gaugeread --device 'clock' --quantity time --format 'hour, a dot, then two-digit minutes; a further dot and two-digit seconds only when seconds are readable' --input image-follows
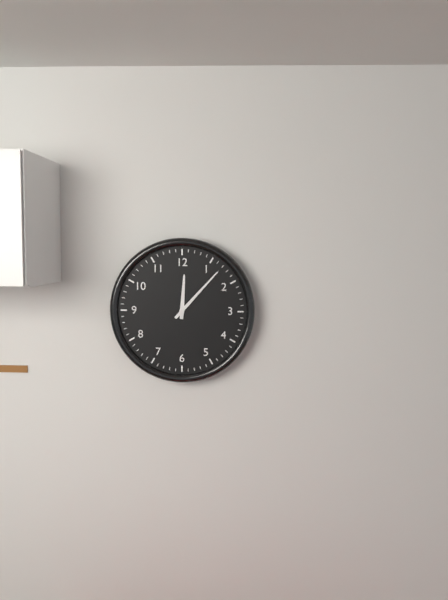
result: 12.07
